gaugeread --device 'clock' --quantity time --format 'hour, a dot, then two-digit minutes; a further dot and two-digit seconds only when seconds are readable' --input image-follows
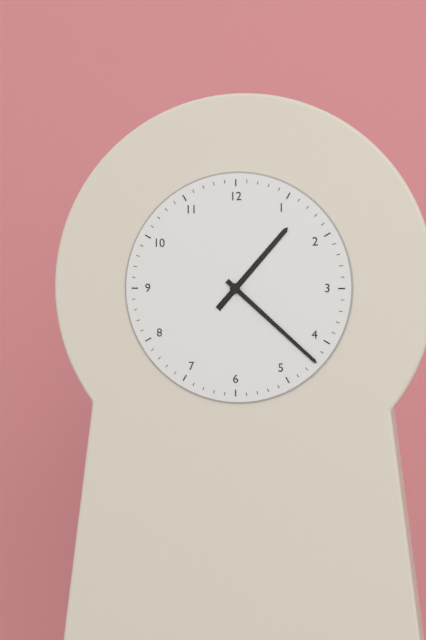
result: 1.22
